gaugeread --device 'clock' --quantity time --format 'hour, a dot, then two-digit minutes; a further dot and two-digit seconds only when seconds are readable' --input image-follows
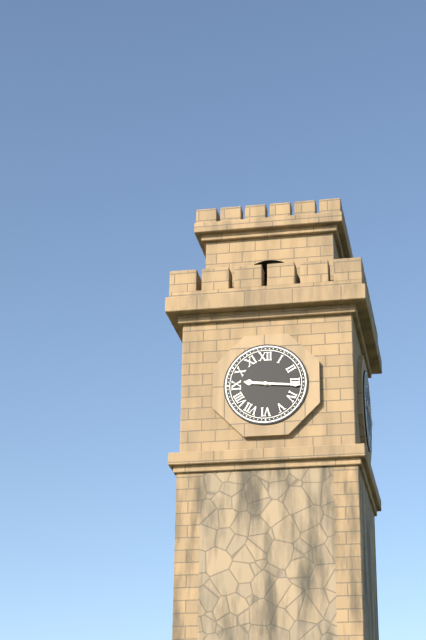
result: 9.16
